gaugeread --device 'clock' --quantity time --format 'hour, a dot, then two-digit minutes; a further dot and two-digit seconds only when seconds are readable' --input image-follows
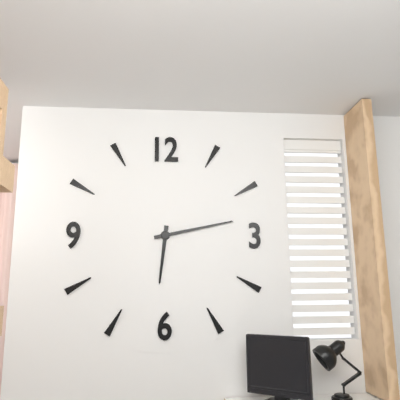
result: 6.13
